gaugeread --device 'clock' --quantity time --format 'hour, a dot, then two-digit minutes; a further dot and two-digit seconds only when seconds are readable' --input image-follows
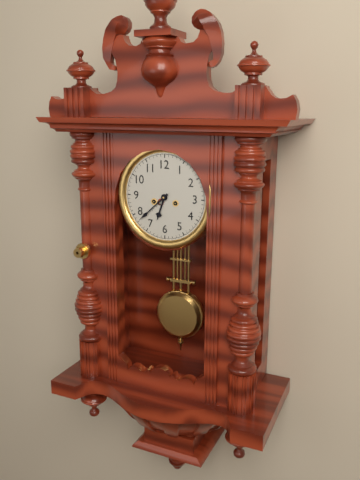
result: 6.38
